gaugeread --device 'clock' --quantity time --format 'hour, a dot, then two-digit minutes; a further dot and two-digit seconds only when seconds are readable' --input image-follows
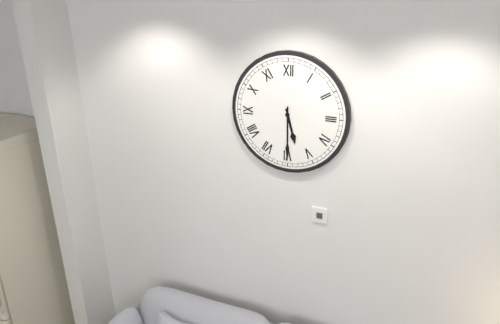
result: 5.30
